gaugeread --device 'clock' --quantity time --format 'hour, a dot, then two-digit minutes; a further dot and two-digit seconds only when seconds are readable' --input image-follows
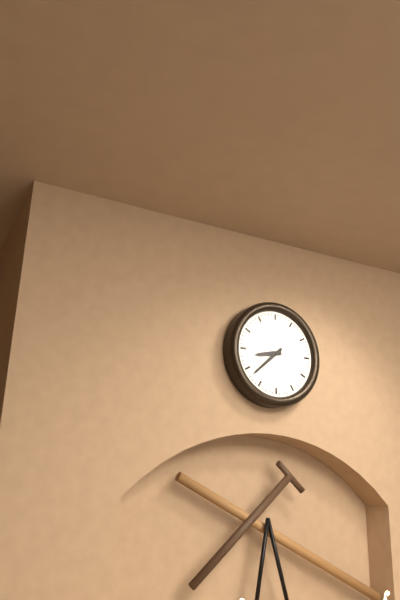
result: 8.38
